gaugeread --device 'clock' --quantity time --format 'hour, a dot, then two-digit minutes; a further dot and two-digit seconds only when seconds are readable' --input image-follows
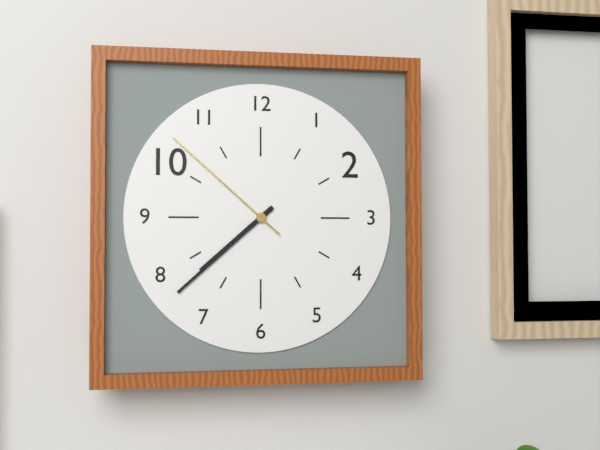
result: 7.38.52
